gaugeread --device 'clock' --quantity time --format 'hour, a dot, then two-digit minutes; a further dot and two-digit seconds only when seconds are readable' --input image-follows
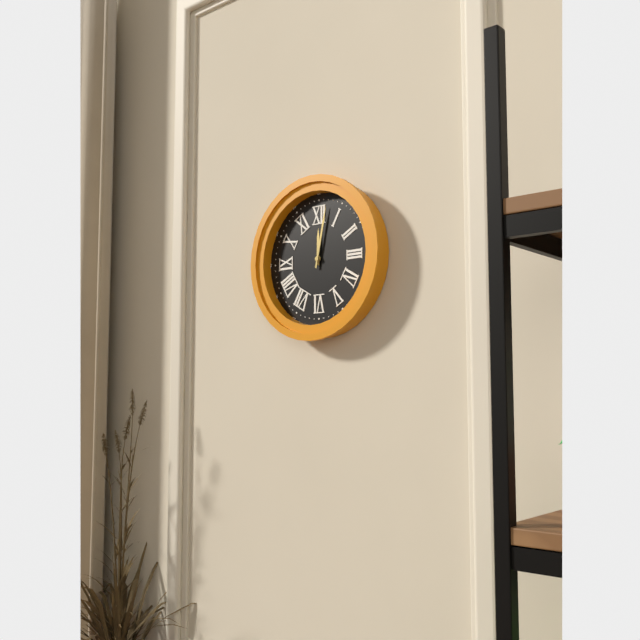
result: 12.02
